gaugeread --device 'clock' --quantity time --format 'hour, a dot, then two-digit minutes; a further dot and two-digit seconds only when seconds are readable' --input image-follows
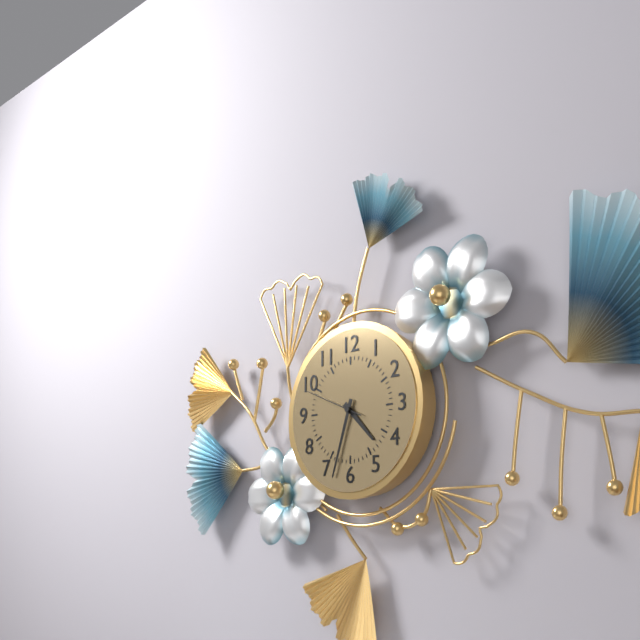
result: 4.33.49
